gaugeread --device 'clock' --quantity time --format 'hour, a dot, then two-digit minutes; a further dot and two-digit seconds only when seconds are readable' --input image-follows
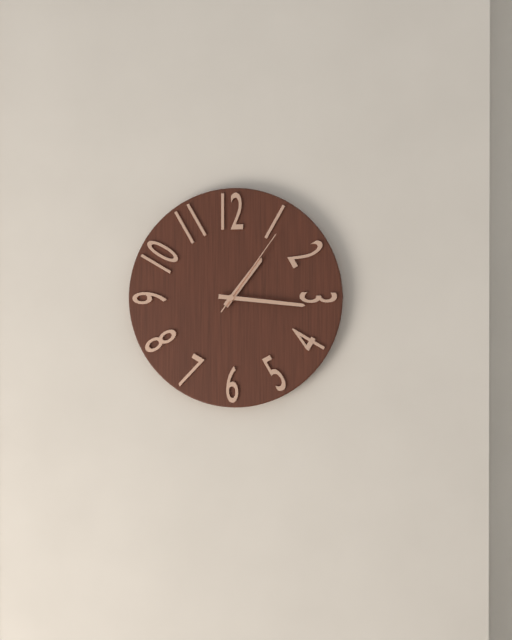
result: 1.16.06
